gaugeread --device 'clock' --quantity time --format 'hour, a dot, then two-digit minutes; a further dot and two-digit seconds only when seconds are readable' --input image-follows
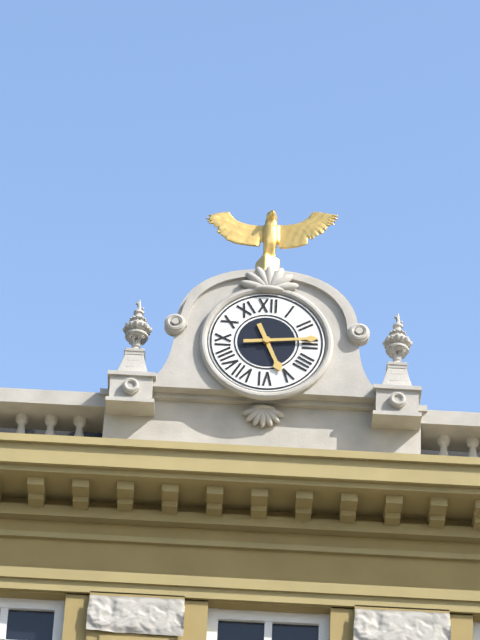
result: 5.14
